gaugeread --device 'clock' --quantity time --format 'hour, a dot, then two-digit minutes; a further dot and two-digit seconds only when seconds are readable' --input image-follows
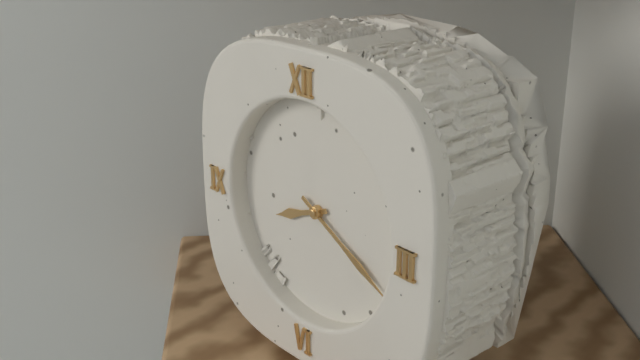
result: 8.20
